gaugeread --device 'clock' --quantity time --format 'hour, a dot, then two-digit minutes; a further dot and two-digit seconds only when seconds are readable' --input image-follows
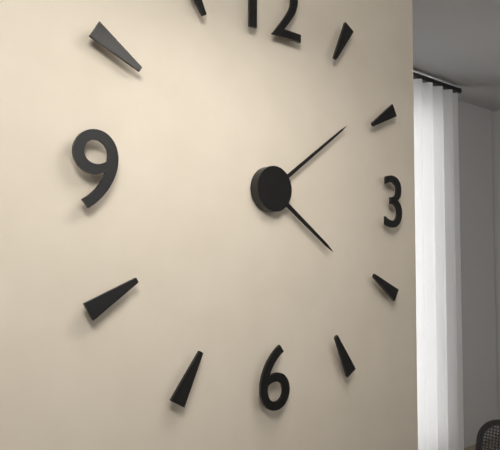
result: 4.09
